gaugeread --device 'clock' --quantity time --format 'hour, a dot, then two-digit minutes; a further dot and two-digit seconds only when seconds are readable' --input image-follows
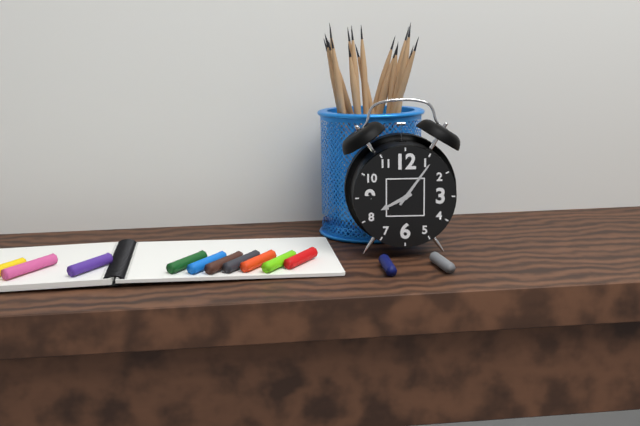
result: 8.06
